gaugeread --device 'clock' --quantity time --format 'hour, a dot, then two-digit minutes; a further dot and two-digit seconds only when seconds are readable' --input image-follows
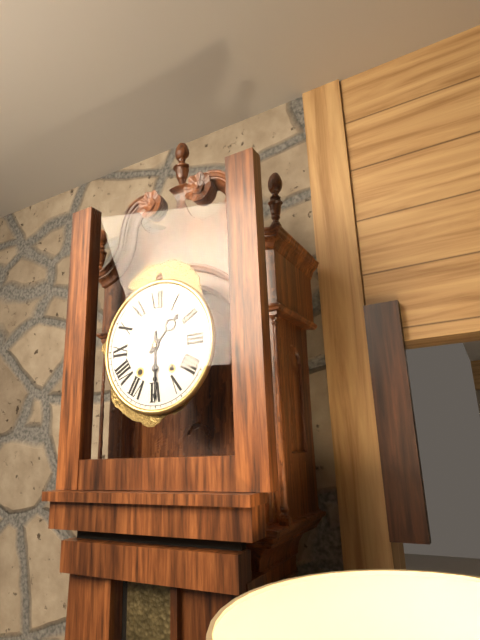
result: 1.30
